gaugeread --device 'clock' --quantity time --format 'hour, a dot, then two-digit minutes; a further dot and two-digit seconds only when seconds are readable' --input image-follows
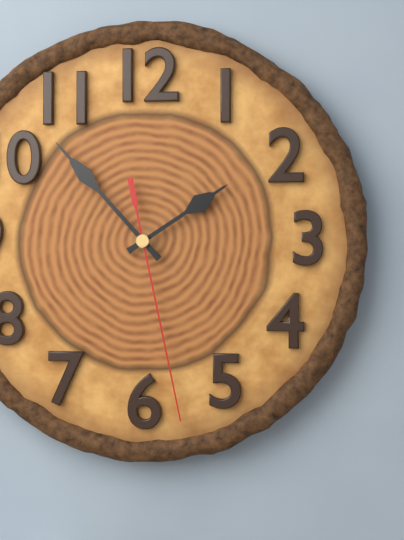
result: 1.53.28
